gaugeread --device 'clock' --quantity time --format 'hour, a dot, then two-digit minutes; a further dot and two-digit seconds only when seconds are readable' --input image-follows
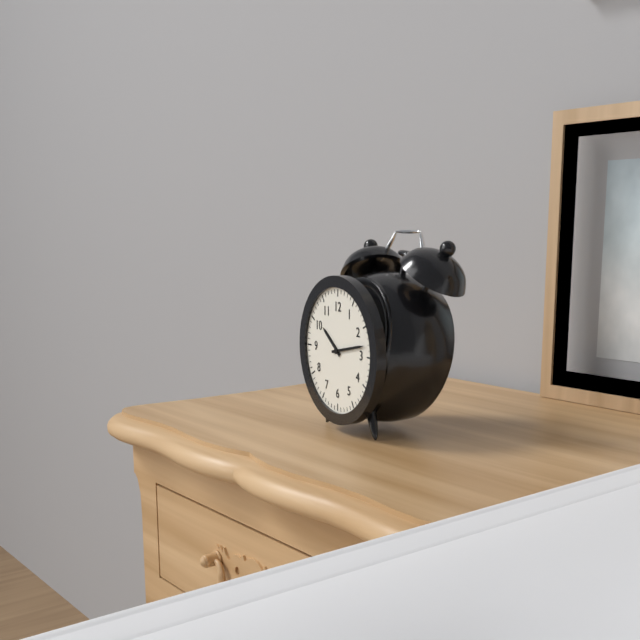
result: 10.13
